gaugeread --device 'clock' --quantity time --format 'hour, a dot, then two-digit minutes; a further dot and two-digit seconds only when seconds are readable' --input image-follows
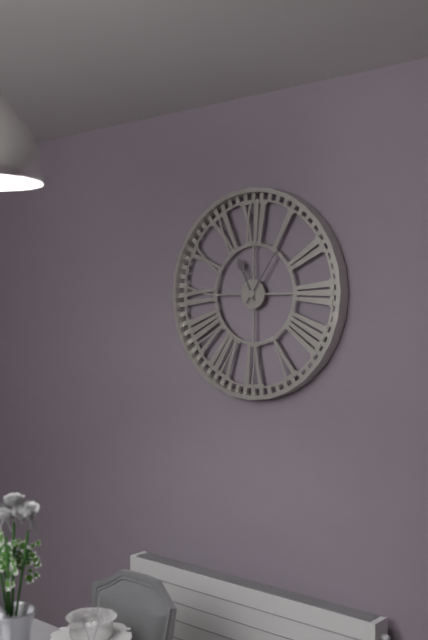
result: 11.06
